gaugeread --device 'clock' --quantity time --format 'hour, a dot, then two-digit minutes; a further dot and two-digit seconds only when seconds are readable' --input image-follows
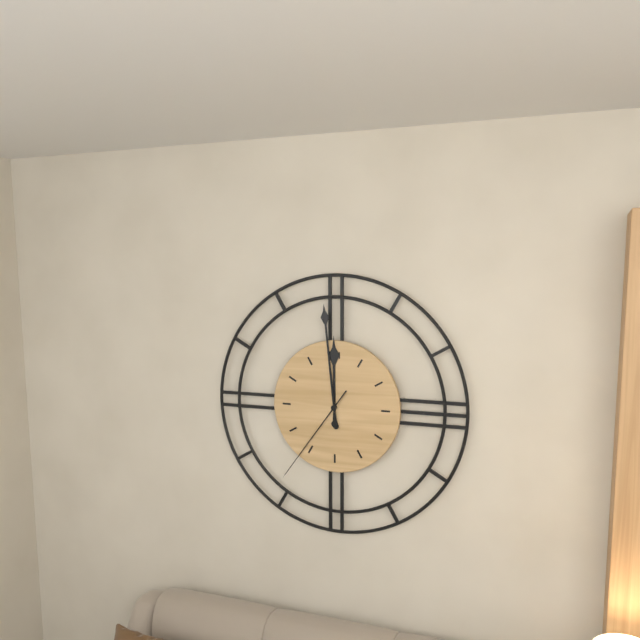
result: 11.59.36
